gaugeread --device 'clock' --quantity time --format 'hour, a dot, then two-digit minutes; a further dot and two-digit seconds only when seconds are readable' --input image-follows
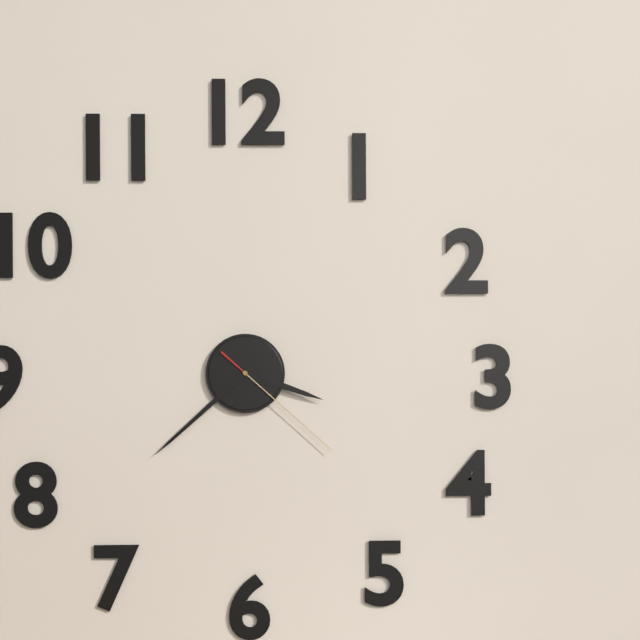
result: 3.38.22
